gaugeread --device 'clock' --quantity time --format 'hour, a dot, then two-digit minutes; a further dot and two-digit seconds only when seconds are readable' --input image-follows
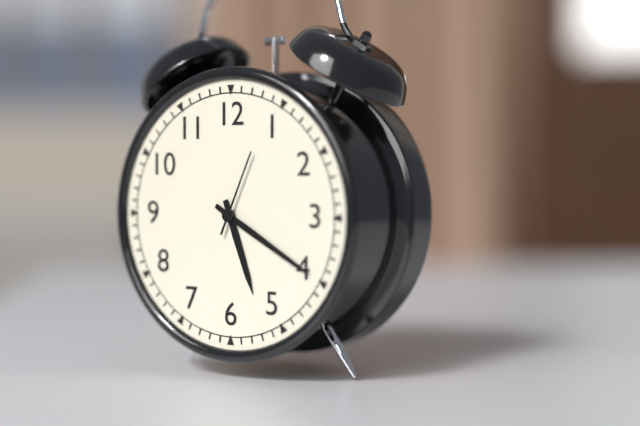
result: 5.20.04
